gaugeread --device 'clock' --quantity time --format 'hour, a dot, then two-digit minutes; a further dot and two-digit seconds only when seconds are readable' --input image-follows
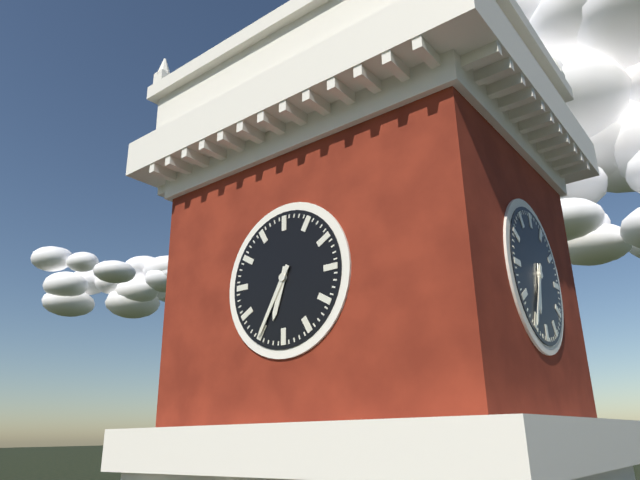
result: 6.35
